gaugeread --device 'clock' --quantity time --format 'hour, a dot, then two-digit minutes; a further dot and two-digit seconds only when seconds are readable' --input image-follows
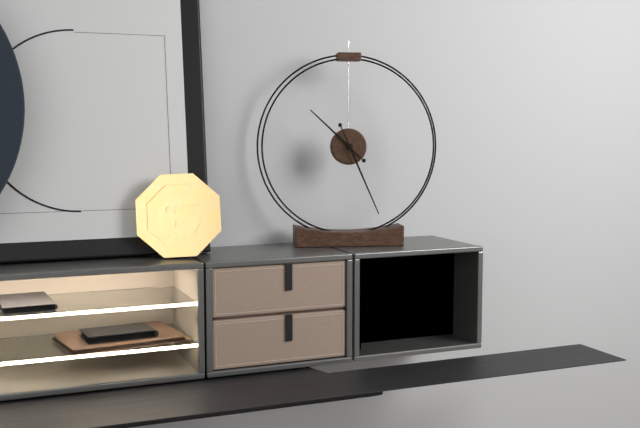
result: 10.26
